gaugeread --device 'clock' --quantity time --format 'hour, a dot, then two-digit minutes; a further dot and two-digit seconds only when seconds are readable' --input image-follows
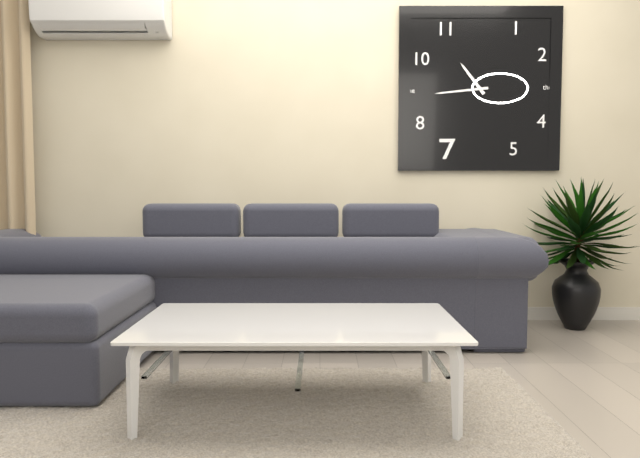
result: 10.44
